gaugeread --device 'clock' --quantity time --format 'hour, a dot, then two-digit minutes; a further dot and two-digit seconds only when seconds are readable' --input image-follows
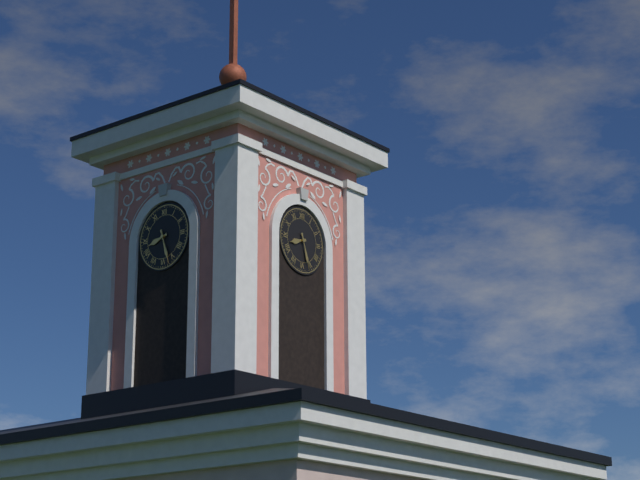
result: 8.27
